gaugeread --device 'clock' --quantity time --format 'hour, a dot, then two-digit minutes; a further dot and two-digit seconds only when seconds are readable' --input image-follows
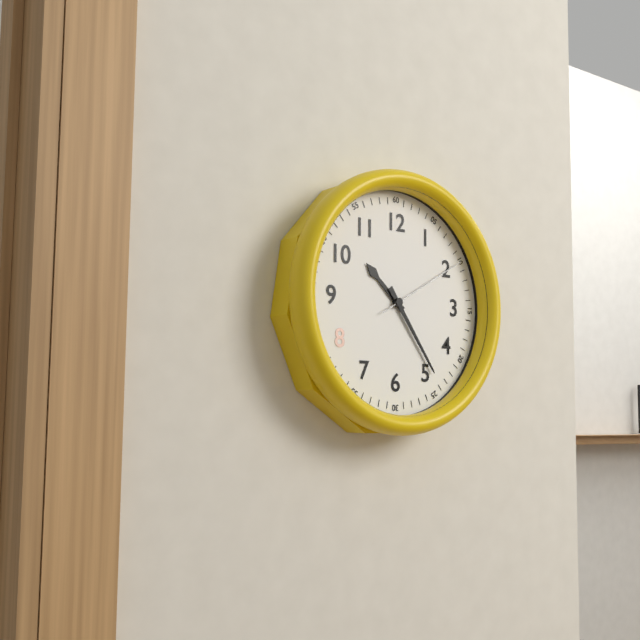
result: 10.24.10
